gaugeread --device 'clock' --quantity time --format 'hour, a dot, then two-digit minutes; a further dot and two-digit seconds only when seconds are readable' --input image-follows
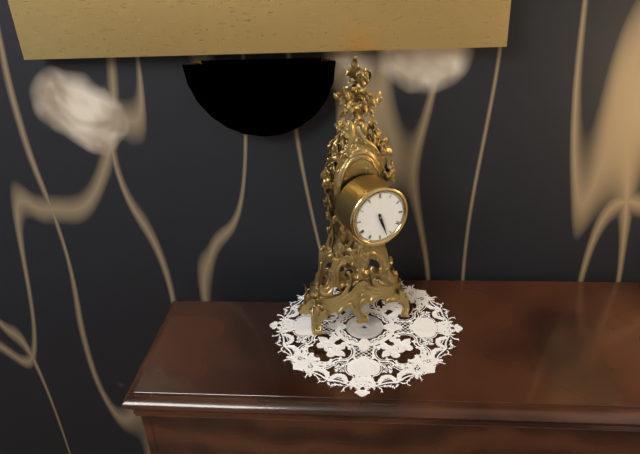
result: 5.27
